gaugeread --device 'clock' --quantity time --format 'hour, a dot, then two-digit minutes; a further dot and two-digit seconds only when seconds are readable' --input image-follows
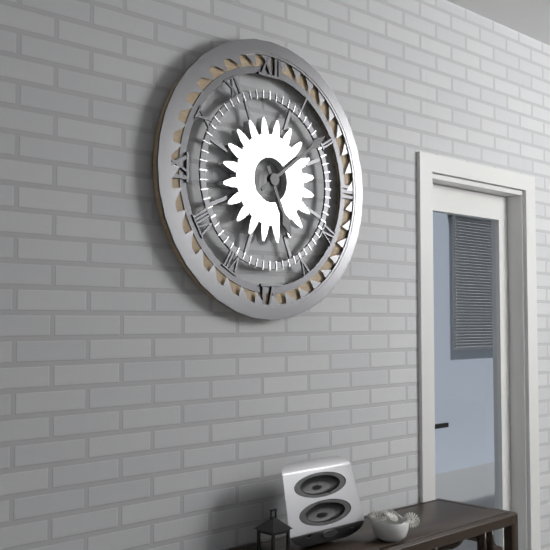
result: 5.09
